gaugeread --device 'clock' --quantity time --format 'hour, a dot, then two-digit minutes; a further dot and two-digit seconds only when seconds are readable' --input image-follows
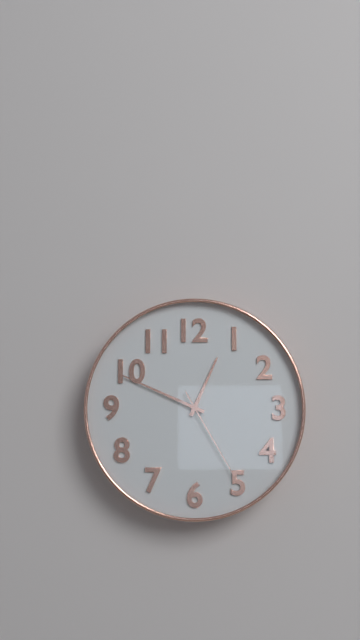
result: 12.49.25
